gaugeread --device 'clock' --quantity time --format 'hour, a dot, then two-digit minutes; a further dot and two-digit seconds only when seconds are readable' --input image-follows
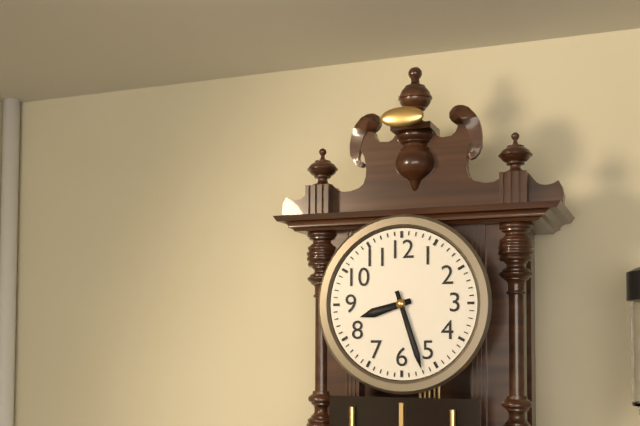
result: 8.27
